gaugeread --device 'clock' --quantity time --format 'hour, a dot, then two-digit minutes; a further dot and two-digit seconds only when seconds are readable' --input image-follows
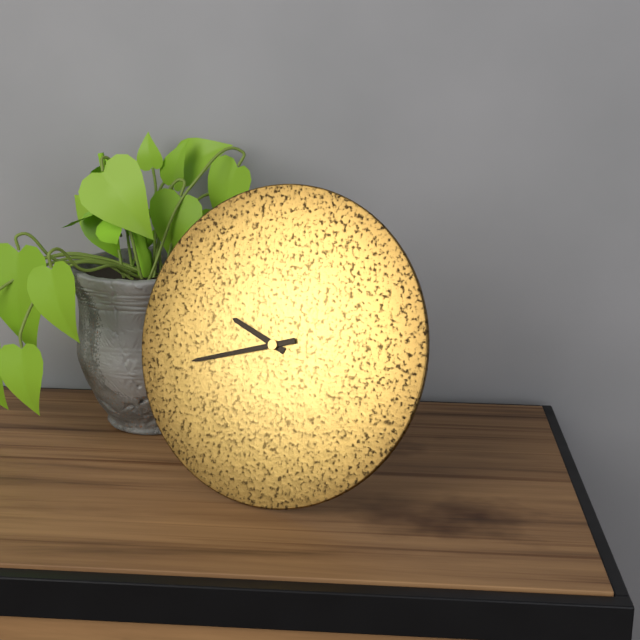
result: 9.42
